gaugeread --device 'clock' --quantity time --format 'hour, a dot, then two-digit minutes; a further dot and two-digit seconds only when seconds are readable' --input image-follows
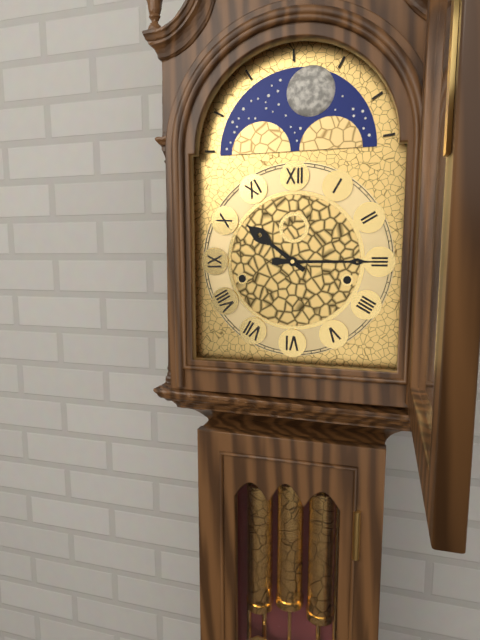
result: 10.15
